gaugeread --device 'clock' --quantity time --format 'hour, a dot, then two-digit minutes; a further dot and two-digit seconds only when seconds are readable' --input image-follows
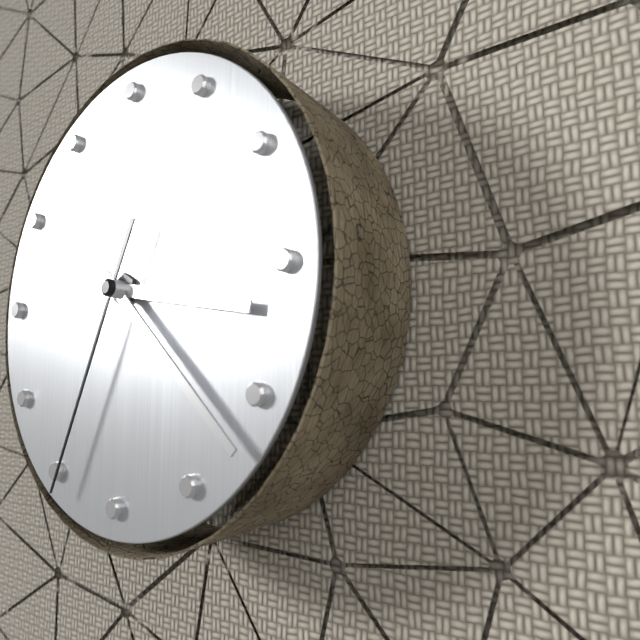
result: 3.22.34
